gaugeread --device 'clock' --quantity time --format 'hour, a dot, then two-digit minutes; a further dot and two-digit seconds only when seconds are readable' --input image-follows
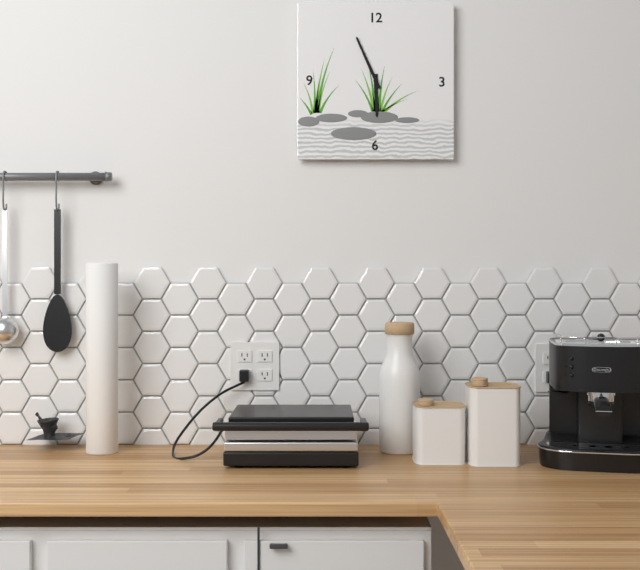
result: 5.56
